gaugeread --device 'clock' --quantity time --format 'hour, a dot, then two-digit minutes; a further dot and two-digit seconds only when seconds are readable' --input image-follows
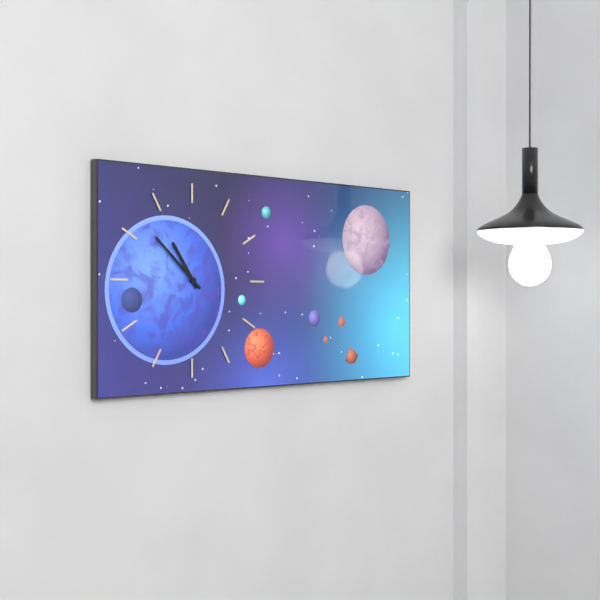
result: 10.52
